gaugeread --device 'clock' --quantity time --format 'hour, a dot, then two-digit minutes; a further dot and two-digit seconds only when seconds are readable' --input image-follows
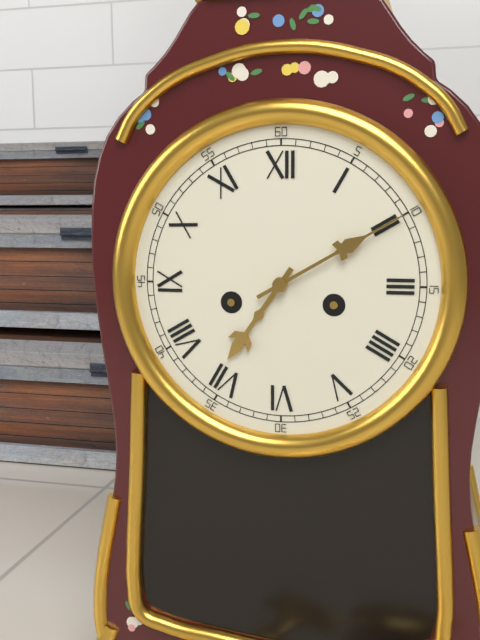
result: 7.10
